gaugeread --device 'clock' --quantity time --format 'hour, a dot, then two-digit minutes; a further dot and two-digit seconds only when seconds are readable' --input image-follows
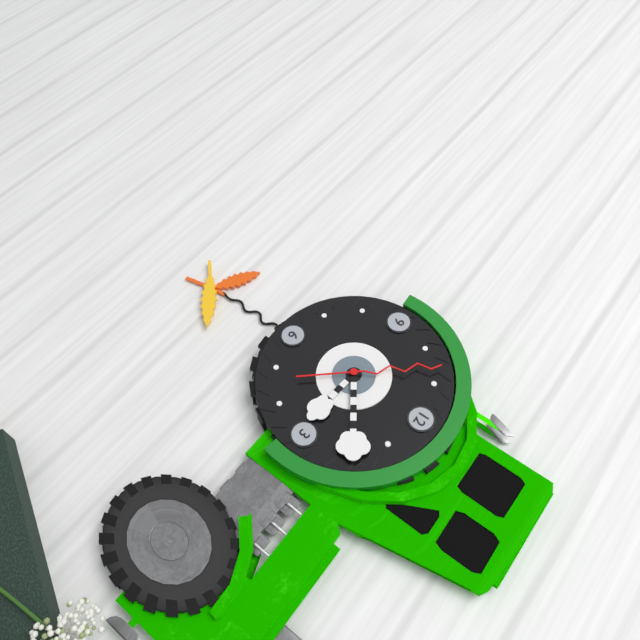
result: 3.09.53
